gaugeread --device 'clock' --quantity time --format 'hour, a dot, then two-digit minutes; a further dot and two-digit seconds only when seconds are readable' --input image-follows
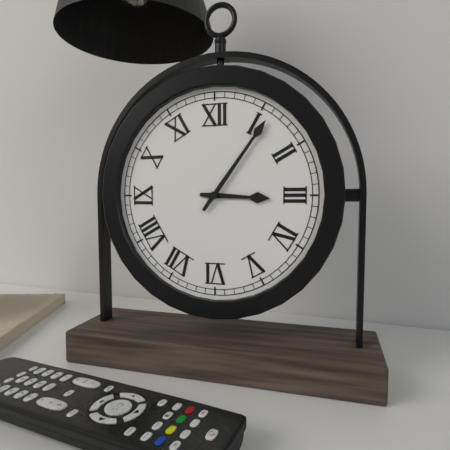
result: 3.06
